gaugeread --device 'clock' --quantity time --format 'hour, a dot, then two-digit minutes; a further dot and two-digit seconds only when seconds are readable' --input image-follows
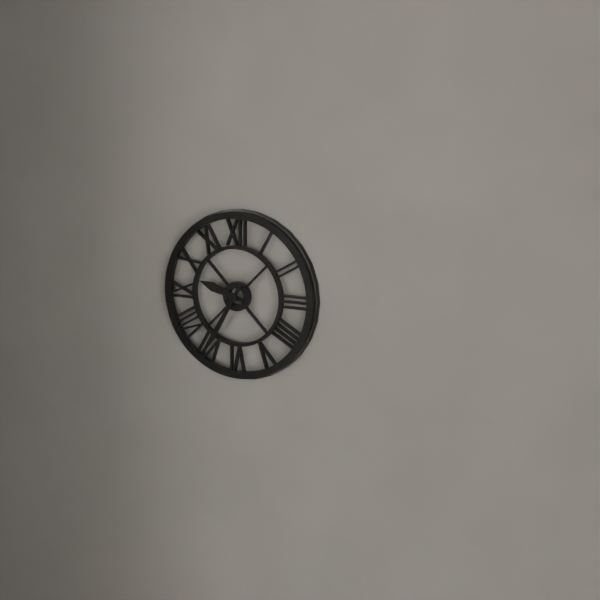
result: 9.35
